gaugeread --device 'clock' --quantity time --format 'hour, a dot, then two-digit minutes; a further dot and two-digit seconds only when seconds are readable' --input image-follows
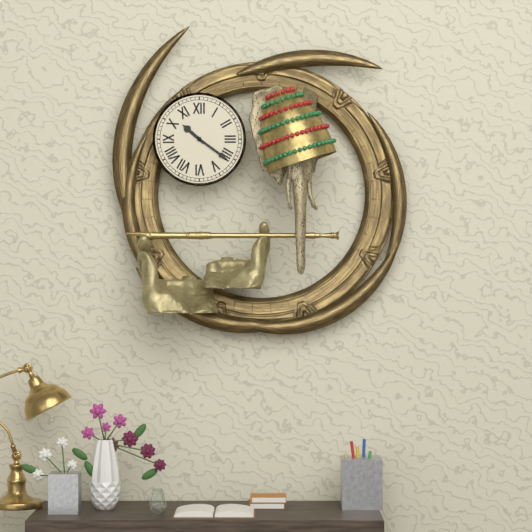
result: 10.21
